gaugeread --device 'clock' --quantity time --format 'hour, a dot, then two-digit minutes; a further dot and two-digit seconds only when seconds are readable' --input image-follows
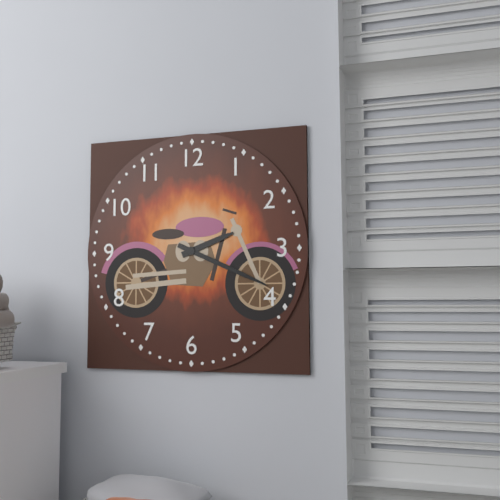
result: 2.19
